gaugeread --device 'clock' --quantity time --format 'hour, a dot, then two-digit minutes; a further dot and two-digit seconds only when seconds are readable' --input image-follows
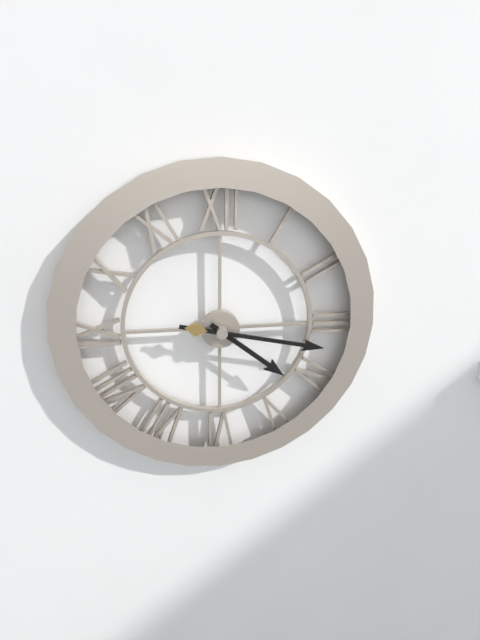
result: 4.17
